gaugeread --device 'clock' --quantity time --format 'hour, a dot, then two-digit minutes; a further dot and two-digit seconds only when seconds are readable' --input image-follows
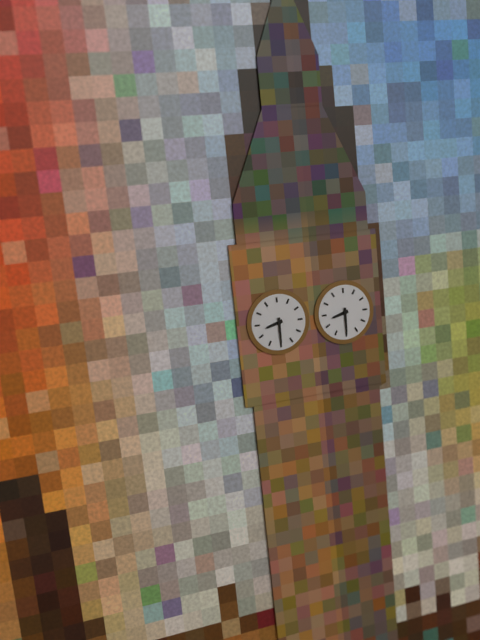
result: 8.30
